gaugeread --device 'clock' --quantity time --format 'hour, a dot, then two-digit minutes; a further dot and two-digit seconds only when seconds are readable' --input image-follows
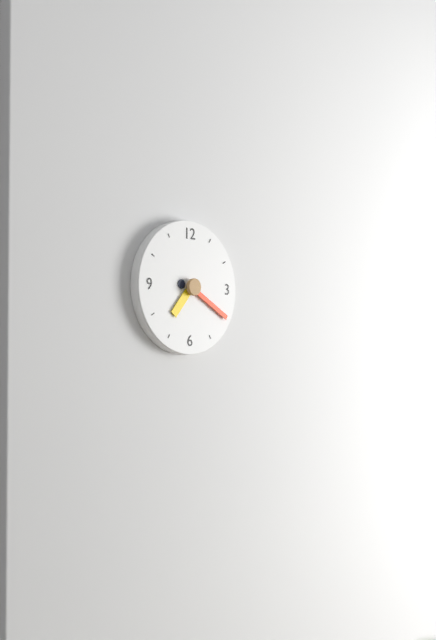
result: 7.20
